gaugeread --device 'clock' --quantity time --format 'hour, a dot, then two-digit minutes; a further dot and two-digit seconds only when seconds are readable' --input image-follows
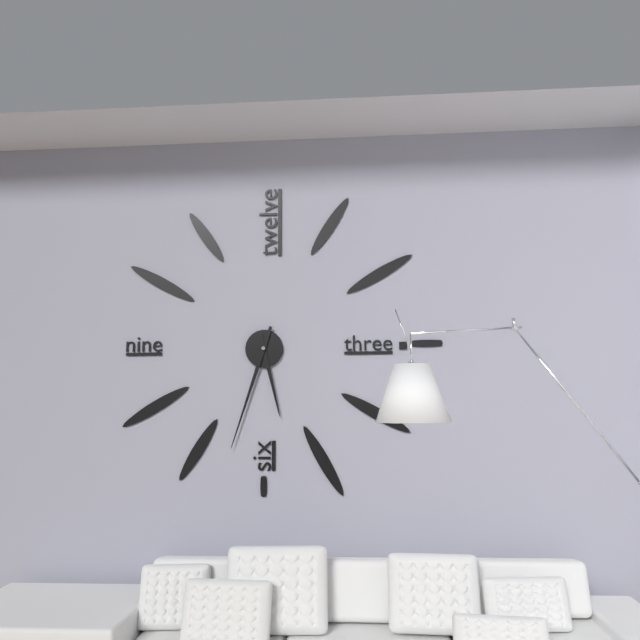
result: 5.33
